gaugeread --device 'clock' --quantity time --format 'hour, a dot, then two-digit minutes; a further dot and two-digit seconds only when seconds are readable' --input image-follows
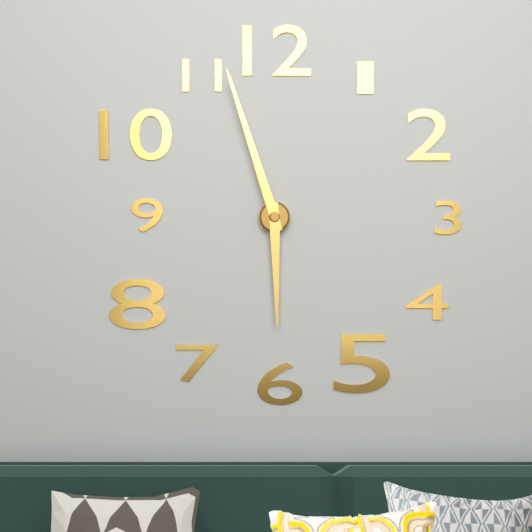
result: 5.57
